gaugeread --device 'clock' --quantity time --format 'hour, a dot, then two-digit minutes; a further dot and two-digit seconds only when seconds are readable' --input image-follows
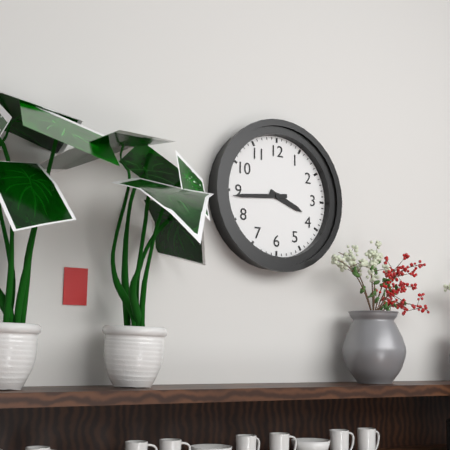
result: 3.44
